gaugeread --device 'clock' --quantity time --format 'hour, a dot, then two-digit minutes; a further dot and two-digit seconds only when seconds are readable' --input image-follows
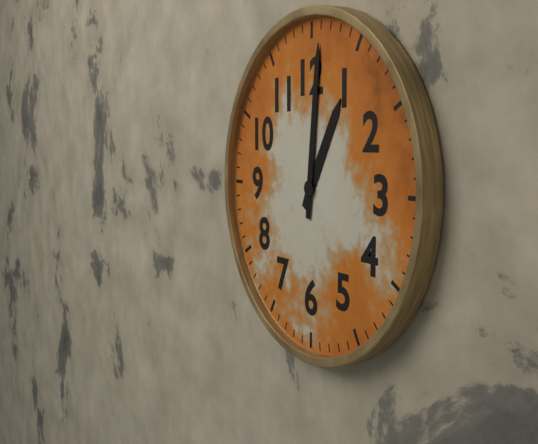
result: 1.01
